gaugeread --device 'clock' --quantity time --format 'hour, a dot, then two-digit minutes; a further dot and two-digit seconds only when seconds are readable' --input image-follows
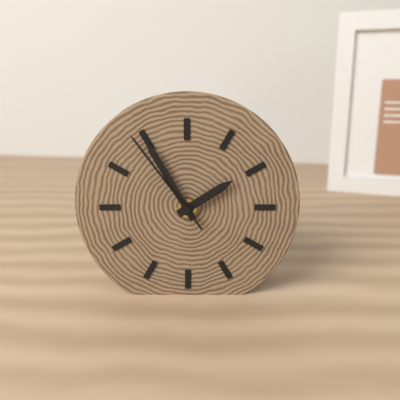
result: 1.55.54
